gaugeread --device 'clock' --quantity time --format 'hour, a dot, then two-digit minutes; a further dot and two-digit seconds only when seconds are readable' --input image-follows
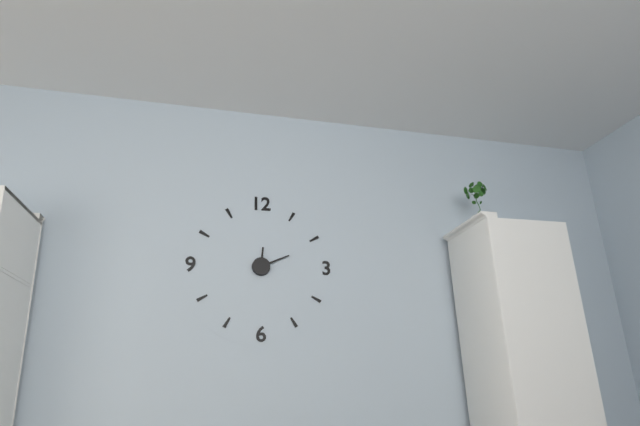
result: 12.11
